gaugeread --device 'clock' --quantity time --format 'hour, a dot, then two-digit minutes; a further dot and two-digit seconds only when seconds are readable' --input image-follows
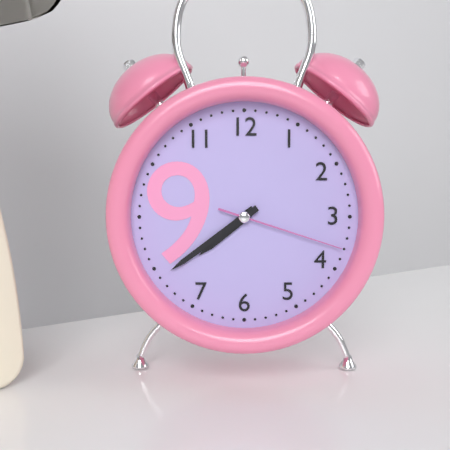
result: 7.39.18
